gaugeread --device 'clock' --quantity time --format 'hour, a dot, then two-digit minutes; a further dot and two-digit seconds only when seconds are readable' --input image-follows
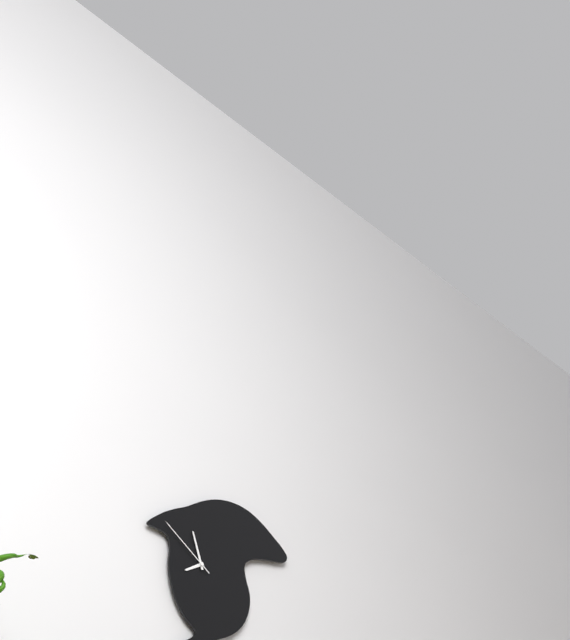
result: 7.57.51
